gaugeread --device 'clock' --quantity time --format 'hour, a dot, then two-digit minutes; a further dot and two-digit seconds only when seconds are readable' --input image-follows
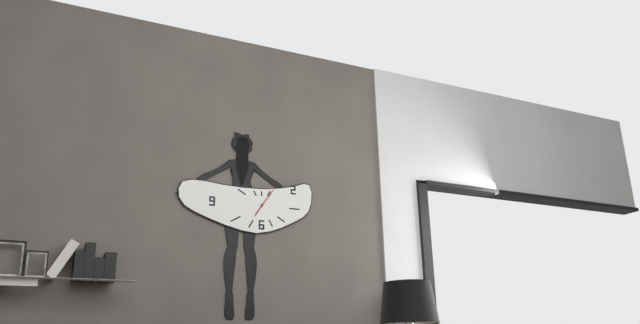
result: 7.06
